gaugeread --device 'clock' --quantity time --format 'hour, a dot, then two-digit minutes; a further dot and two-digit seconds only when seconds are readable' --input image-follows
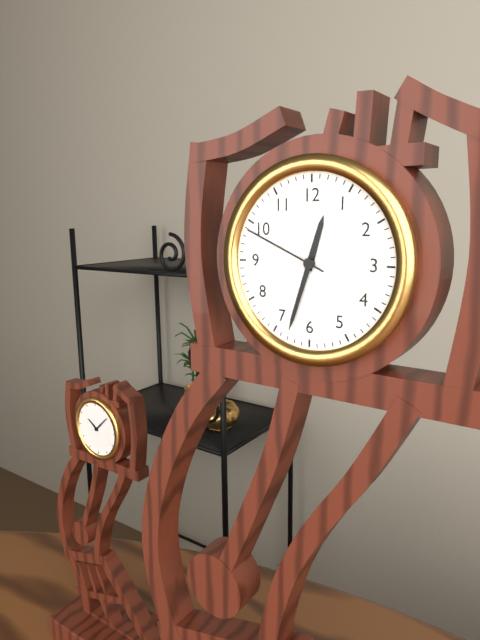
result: 12.33.49
